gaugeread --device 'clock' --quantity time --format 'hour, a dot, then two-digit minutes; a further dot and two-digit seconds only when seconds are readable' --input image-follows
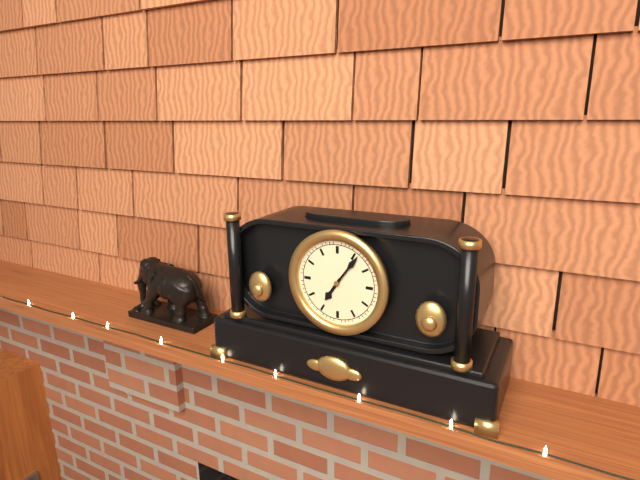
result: 7.06
